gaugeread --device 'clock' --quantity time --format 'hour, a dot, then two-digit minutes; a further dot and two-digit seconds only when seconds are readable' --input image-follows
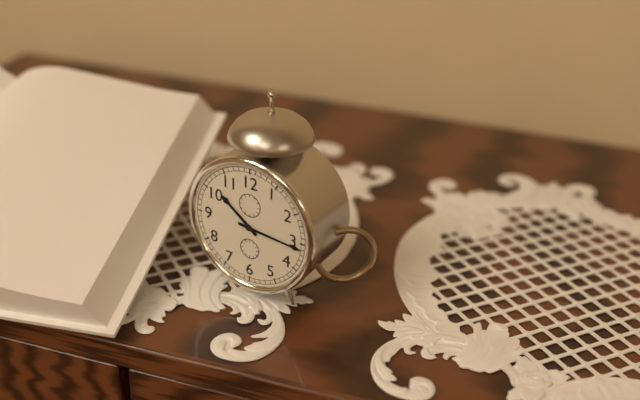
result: 10.16
